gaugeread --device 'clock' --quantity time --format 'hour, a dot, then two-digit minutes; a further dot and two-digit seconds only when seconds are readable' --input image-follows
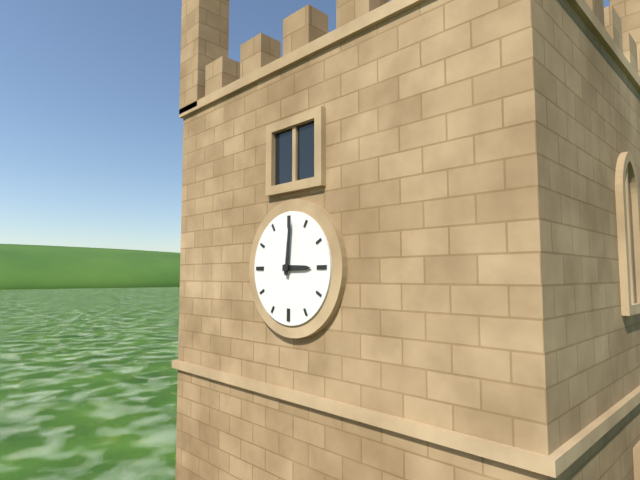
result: 3.01
